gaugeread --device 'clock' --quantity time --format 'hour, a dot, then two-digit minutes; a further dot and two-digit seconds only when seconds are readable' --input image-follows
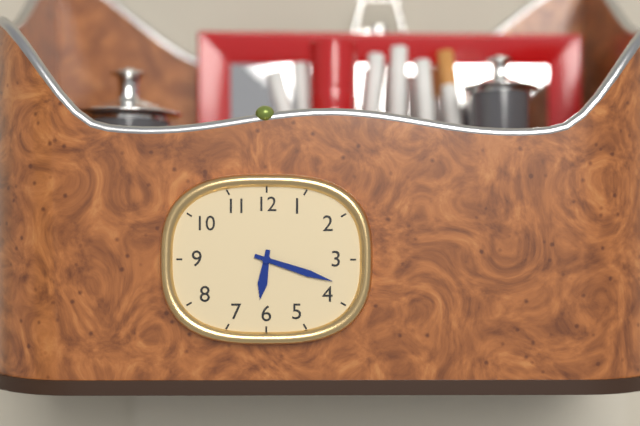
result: 6.18
